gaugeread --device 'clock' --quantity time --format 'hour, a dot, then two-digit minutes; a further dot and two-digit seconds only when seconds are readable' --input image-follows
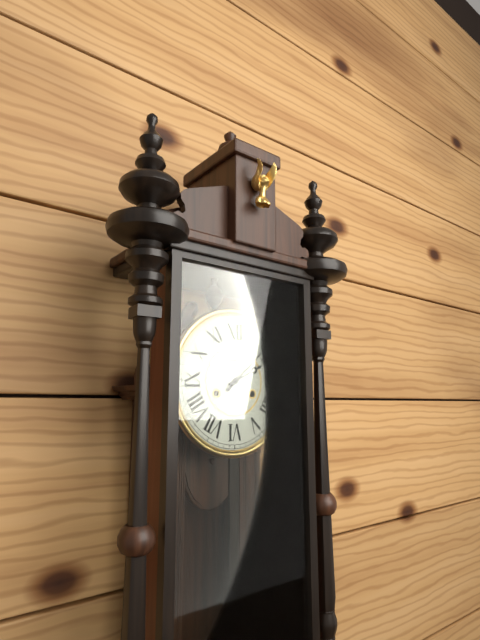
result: 2.08
